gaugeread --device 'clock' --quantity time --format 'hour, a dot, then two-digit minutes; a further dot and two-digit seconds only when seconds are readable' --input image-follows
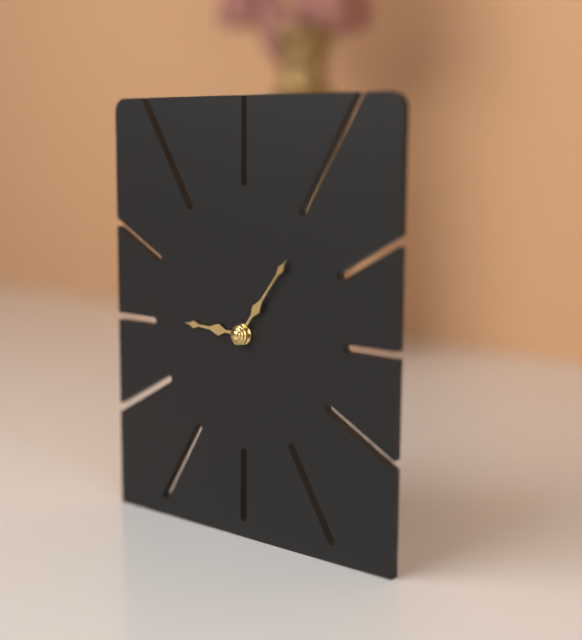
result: 9.06
